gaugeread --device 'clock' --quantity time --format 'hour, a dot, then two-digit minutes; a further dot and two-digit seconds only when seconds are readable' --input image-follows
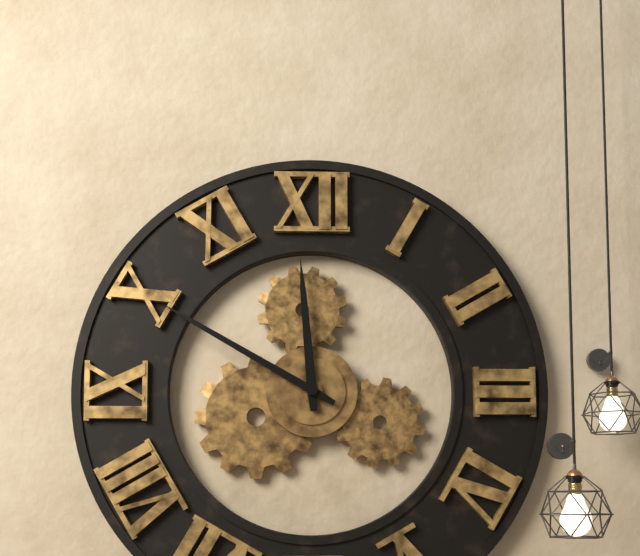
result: 11.50
